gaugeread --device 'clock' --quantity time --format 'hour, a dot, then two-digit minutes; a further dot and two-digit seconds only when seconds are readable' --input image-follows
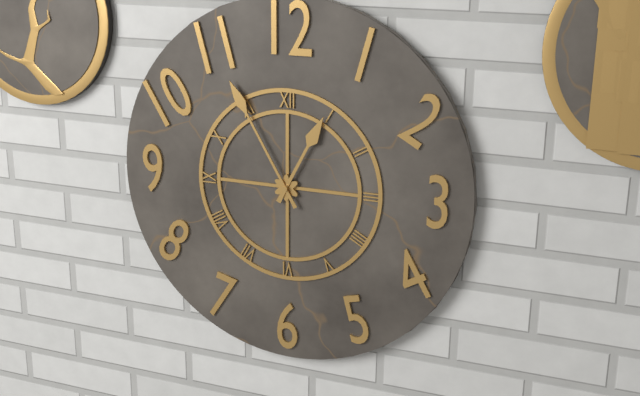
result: 12.55
